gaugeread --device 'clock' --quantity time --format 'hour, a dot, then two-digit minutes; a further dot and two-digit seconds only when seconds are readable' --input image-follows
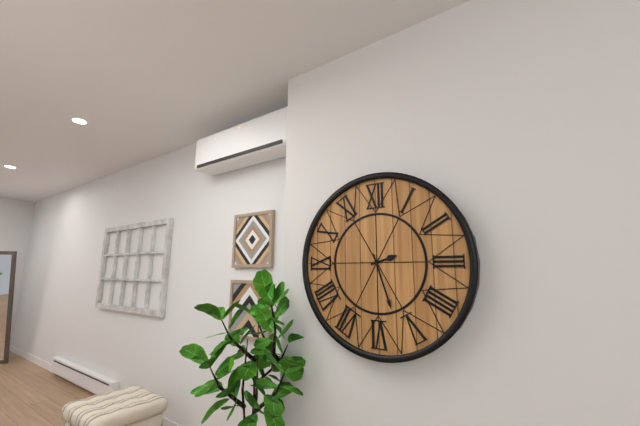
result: 2.27
